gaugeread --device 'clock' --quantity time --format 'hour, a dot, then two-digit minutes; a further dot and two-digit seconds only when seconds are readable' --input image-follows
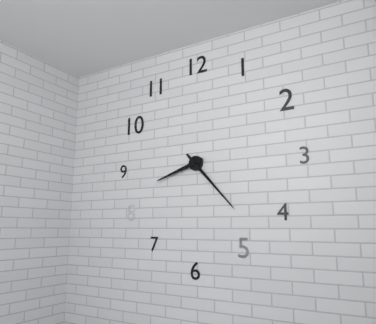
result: 8.23
